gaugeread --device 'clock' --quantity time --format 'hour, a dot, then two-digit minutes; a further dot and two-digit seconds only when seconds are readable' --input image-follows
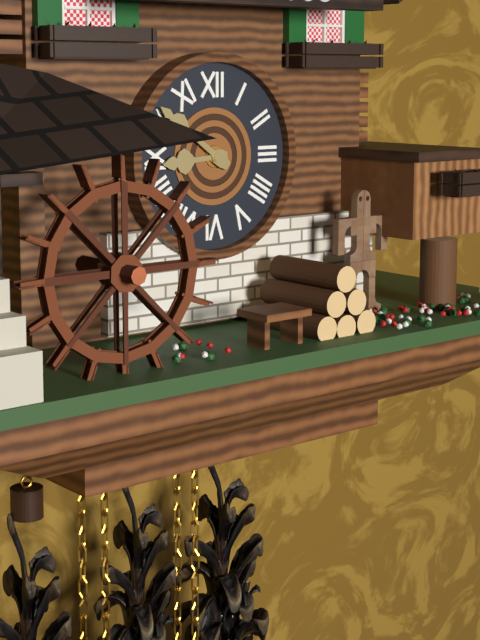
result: 8.51
